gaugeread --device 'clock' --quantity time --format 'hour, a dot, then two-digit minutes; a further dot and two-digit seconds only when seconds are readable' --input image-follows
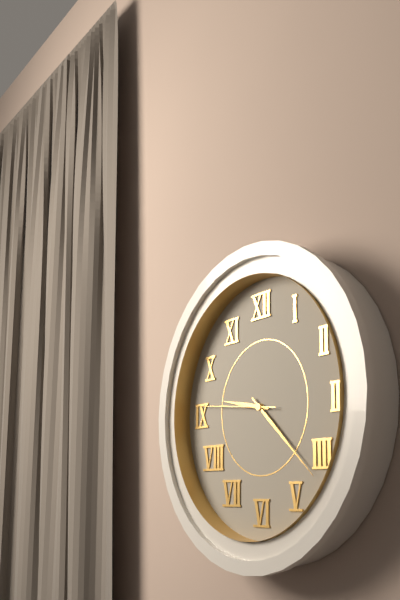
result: 9.22.46
